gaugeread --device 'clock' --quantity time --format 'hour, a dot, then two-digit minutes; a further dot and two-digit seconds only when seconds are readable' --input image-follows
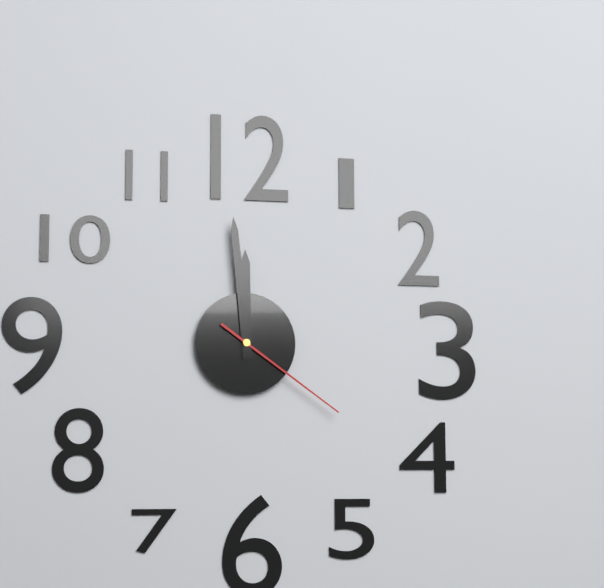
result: 11.59.21
